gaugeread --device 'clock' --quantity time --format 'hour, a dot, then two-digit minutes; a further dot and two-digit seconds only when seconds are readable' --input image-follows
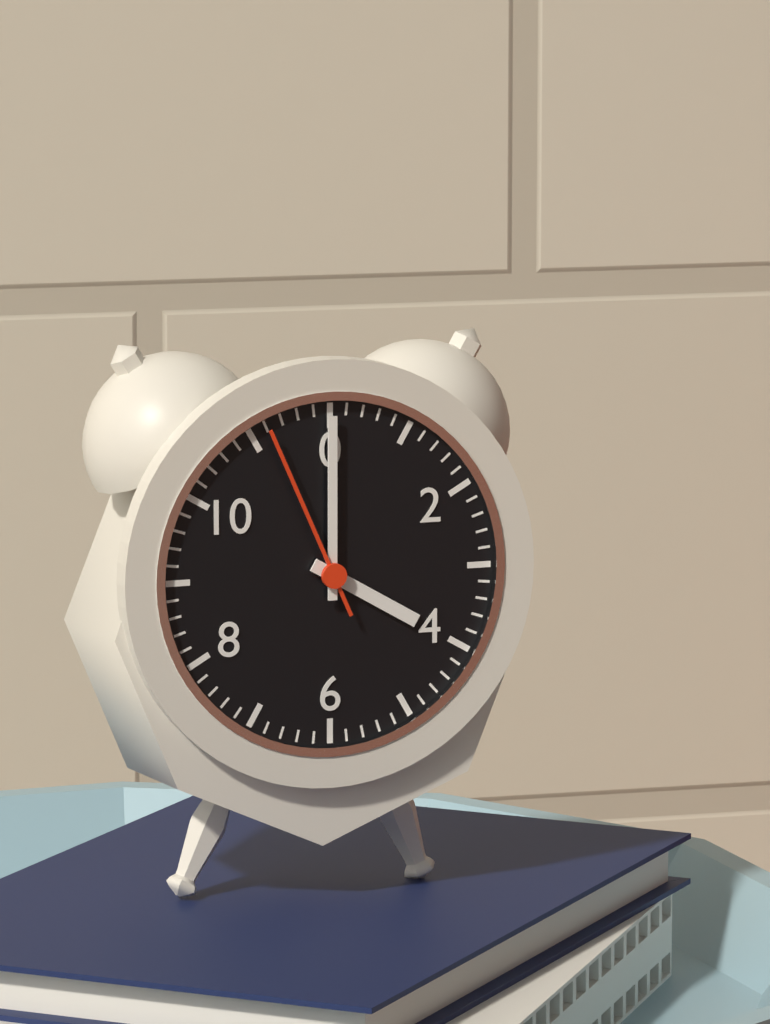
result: 4.00.56
